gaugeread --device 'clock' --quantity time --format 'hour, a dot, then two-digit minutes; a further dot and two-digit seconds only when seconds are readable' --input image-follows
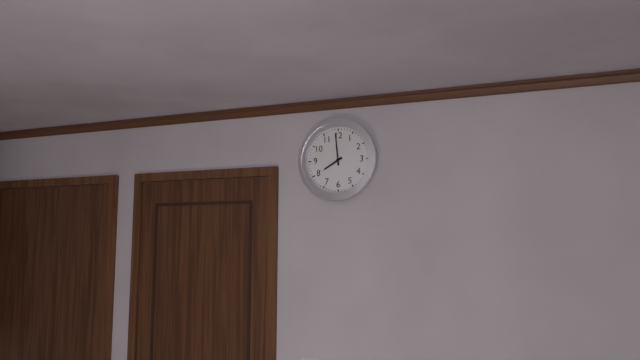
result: 7.59
